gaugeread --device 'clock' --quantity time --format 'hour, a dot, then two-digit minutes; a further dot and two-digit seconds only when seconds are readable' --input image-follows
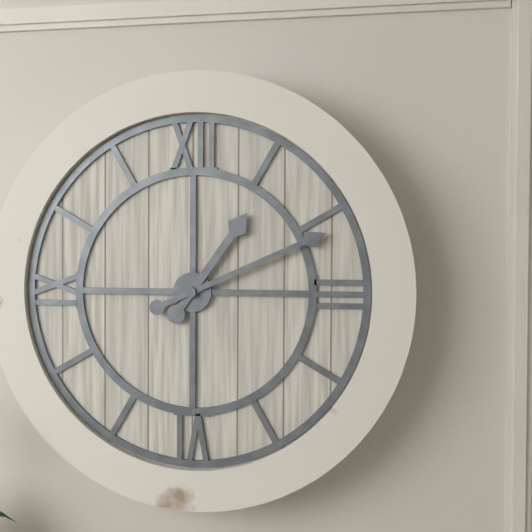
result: 1.11
